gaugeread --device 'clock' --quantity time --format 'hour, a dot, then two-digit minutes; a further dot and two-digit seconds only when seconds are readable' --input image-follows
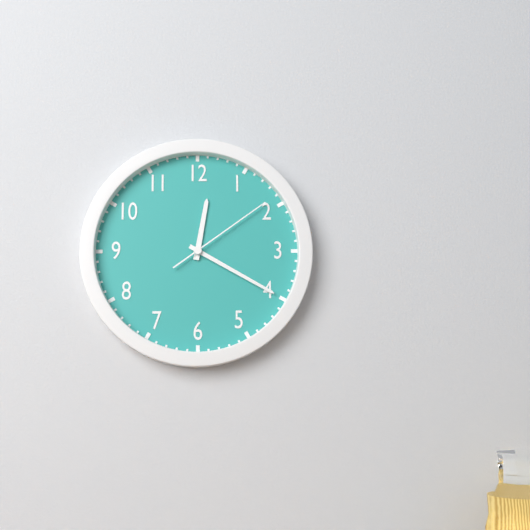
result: 12.20.09
